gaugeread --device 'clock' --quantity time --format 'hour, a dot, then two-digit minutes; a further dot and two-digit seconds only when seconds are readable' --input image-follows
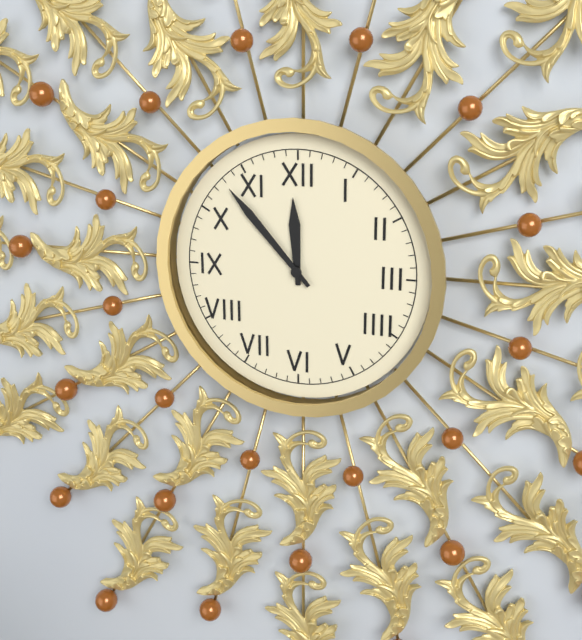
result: 11.53
